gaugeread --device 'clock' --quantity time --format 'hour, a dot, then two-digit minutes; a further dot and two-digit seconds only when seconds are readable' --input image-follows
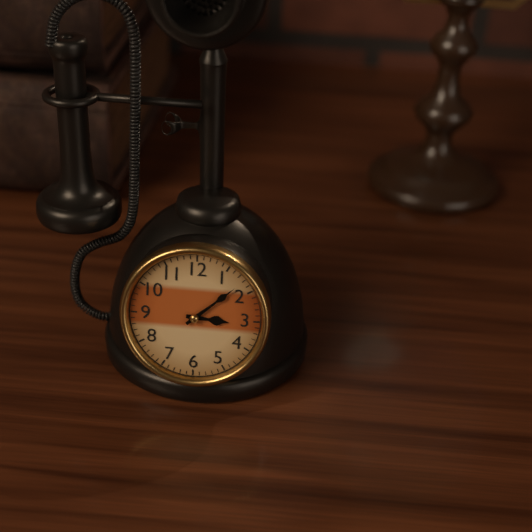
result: 3.08
